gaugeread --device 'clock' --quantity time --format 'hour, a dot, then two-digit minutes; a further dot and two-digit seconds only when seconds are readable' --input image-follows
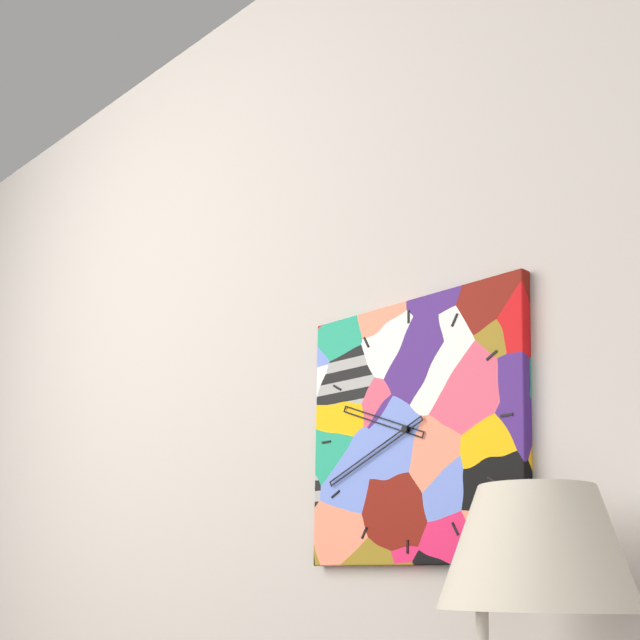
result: 9.41
